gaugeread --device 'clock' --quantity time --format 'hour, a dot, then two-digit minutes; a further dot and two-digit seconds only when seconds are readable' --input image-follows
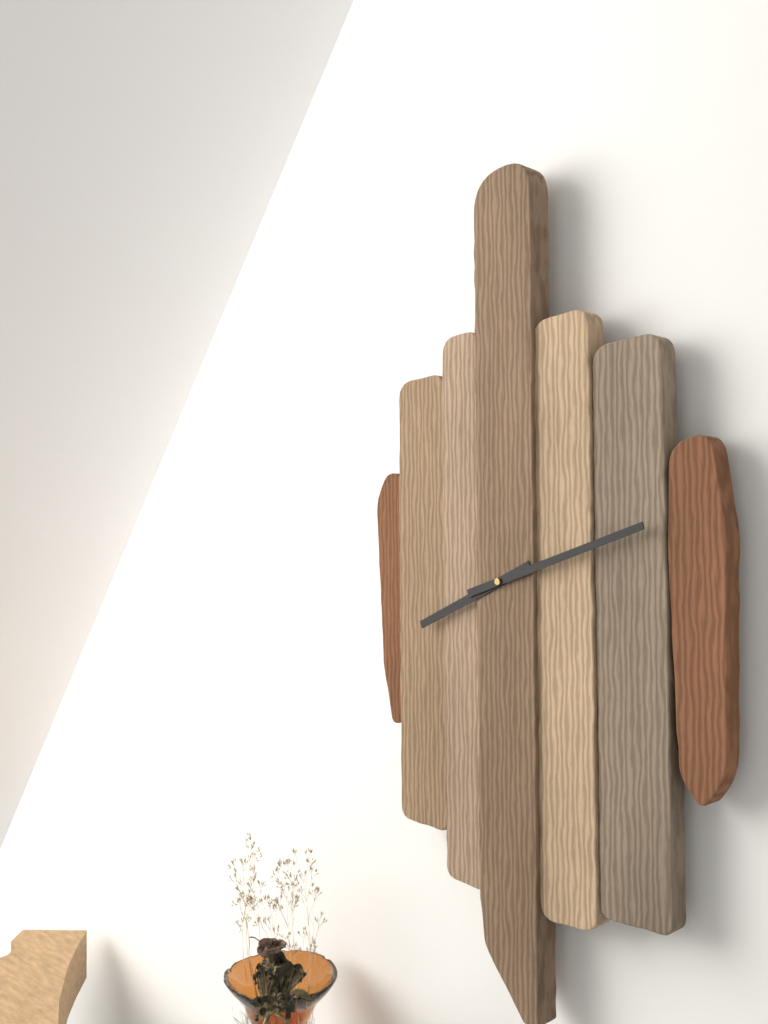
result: 8.12
